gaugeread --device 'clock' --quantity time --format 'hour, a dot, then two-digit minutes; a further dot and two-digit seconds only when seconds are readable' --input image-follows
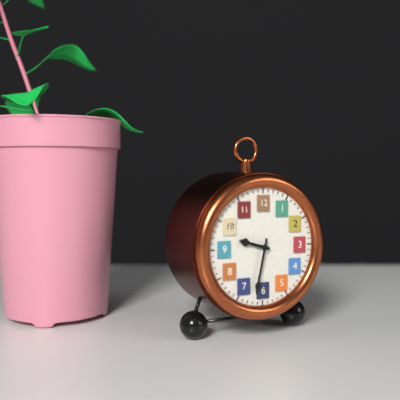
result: 9.32
